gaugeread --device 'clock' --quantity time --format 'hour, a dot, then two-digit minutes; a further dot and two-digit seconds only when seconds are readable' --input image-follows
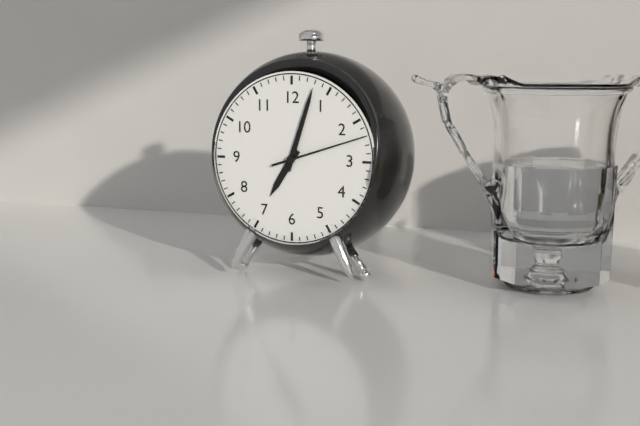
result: 7.03.12
